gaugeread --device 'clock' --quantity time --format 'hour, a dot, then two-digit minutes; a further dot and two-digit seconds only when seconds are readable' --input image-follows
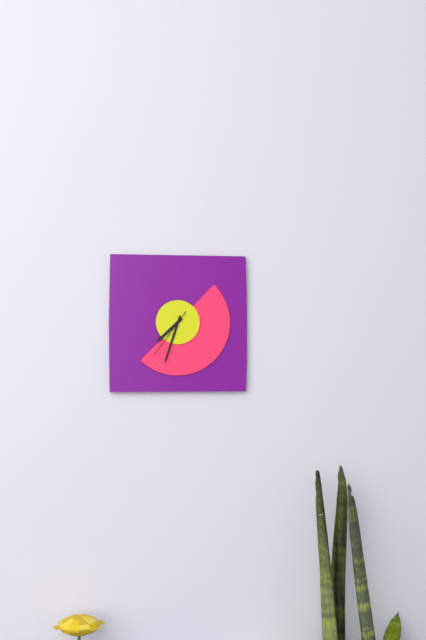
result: 7.33.36
